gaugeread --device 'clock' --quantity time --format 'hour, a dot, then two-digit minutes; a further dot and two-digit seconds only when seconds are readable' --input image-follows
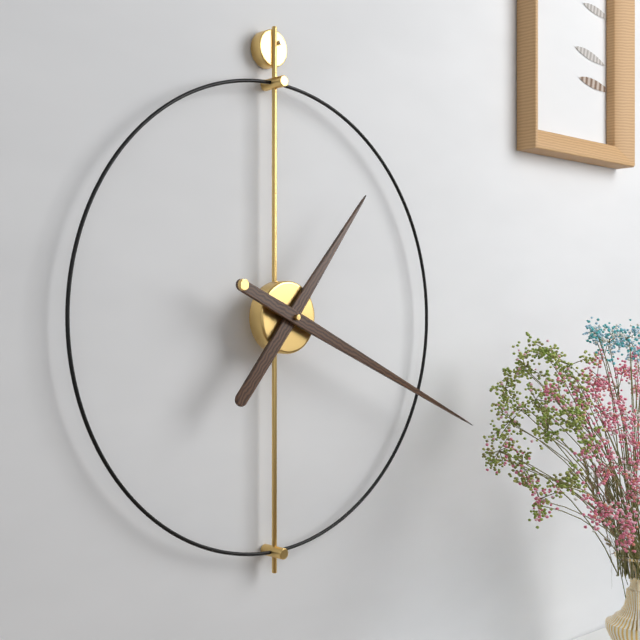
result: 1.19
